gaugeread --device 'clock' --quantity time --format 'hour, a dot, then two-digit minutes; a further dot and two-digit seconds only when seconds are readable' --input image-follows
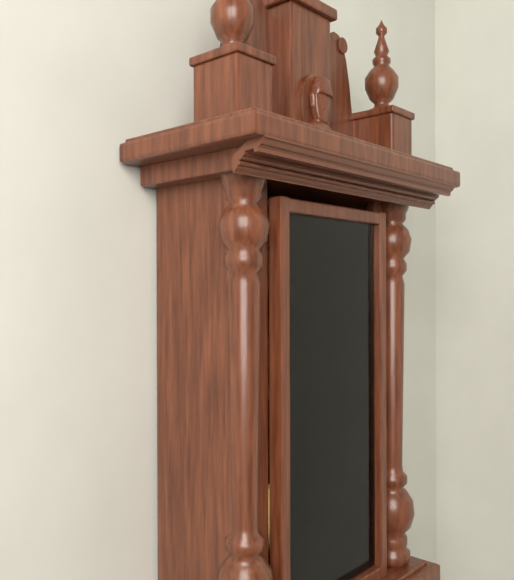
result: 12.53
